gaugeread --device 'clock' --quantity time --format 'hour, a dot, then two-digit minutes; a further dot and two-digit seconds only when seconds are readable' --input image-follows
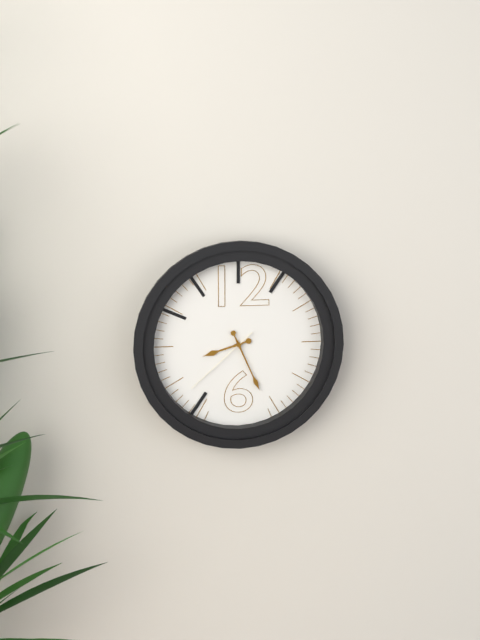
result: 8.26.38
